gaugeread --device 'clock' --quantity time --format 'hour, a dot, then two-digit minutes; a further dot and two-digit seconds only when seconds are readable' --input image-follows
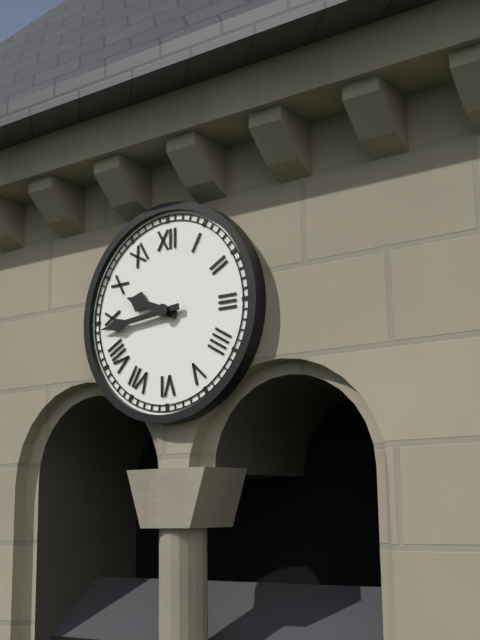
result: 9.44
